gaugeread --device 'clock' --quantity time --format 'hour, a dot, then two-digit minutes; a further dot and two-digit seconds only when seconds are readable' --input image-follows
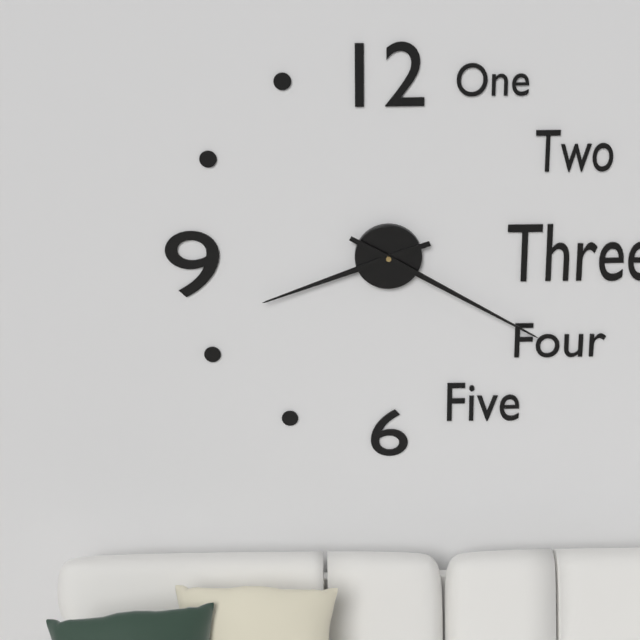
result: 8.20
